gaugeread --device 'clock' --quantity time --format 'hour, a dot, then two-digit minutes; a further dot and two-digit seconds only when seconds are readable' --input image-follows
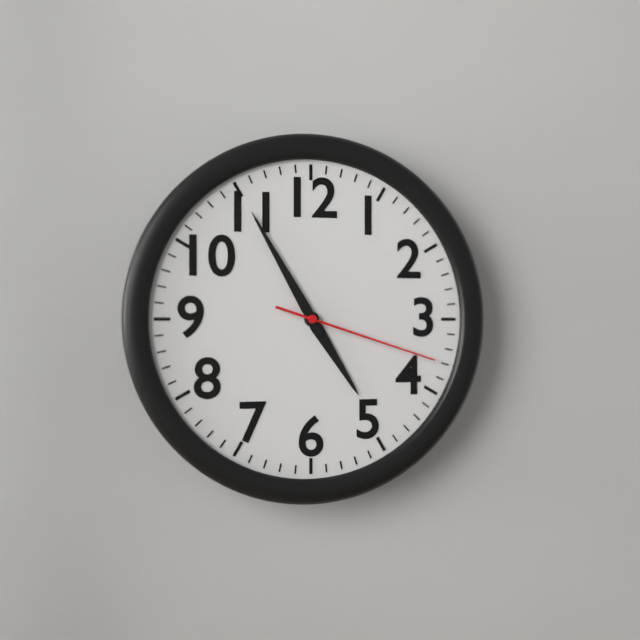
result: 4.55.18
